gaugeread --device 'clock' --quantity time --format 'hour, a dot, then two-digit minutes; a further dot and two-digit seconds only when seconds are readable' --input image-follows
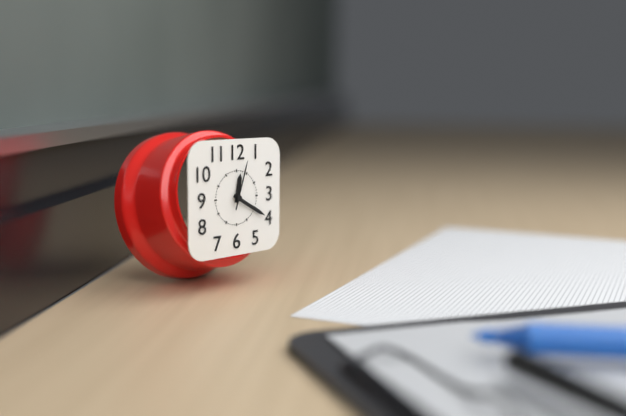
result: 12.20
